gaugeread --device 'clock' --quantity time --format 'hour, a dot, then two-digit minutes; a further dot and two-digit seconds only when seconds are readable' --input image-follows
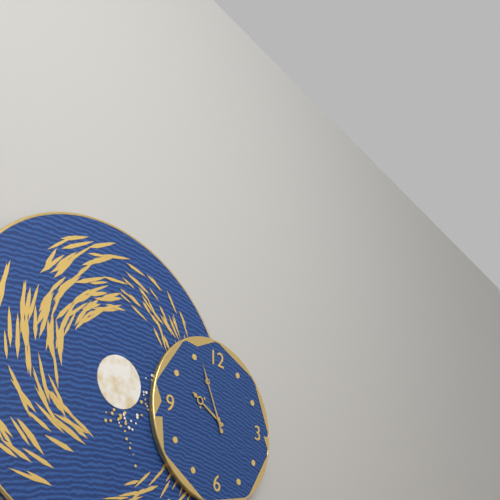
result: 9.56
